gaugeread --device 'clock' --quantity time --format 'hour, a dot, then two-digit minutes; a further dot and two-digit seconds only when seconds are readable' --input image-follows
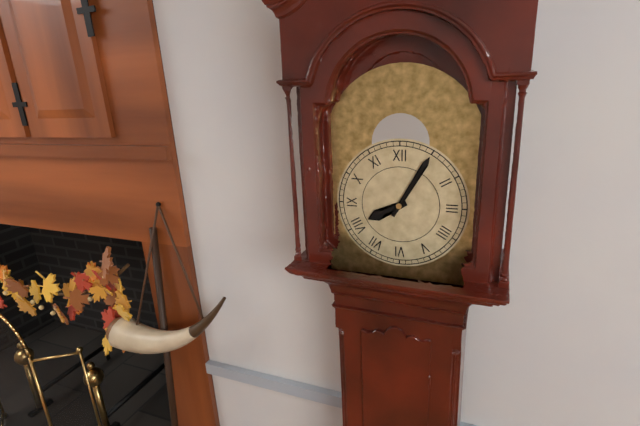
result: 8.05
